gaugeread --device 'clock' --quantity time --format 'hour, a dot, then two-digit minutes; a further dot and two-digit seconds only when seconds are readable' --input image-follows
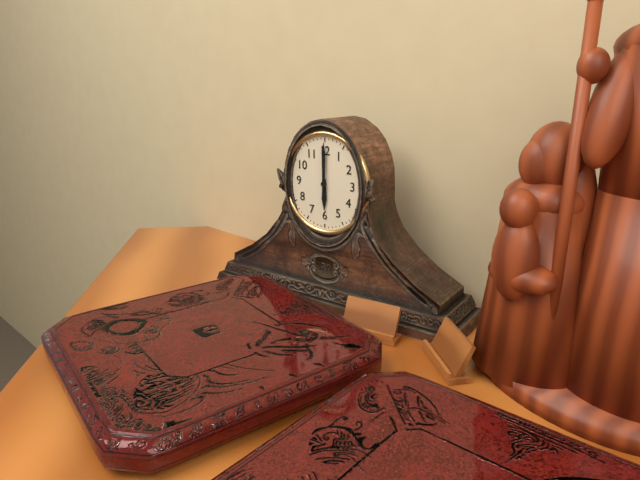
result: 6.00
